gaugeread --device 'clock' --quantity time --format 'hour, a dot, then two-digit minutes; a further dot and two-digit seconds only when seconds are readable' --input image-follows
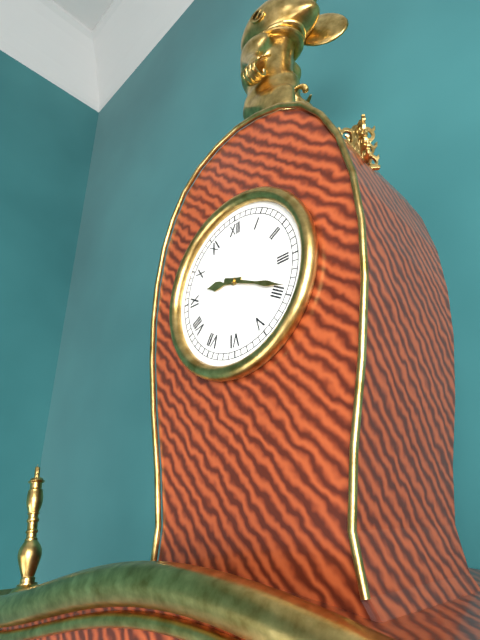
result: 9.19
